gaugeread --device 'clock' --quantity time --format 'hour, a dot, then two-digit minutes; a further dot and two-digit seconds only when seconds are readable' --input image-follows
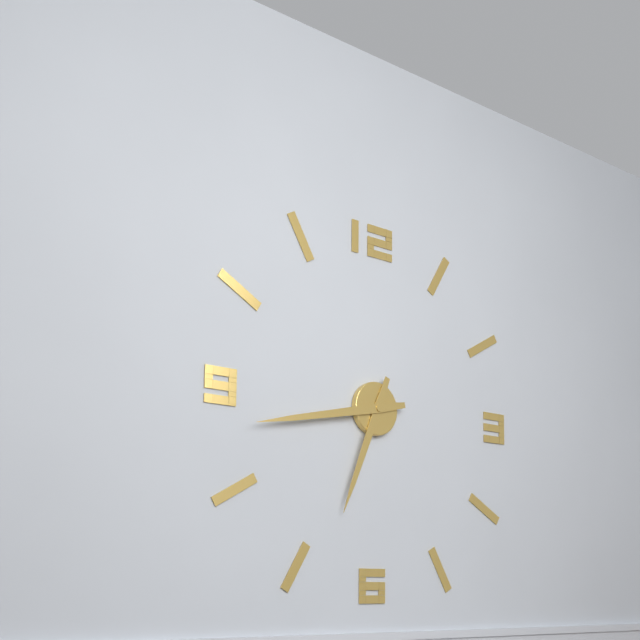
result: 6.43
